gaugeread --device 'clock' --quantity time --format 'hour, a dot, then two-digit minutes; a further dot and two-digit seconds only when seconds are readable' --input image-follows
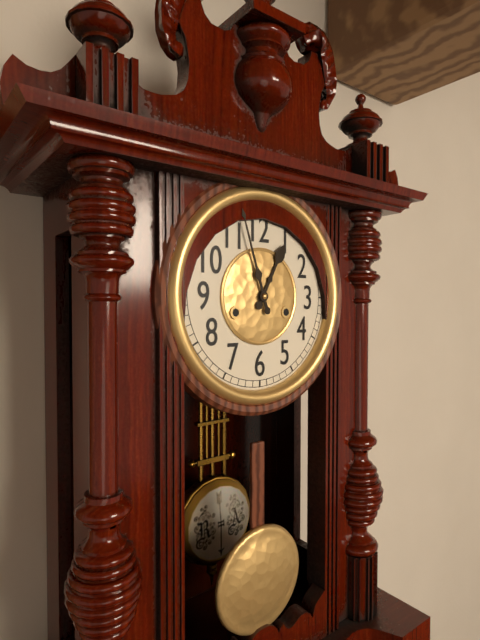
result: 12.57
